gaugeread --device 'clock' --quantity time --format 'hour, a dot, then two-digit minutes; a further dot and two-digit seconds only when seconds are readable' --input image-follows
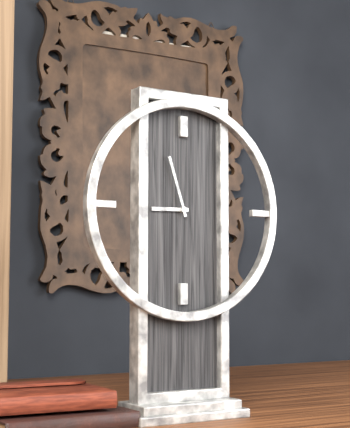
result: 8.57
